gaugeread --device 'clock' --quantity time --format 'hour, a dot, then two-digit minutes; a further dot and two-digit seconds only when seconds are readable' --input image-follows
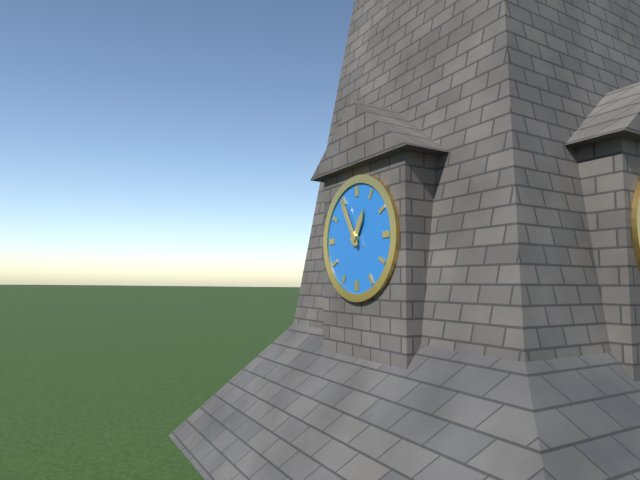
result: 12.55
